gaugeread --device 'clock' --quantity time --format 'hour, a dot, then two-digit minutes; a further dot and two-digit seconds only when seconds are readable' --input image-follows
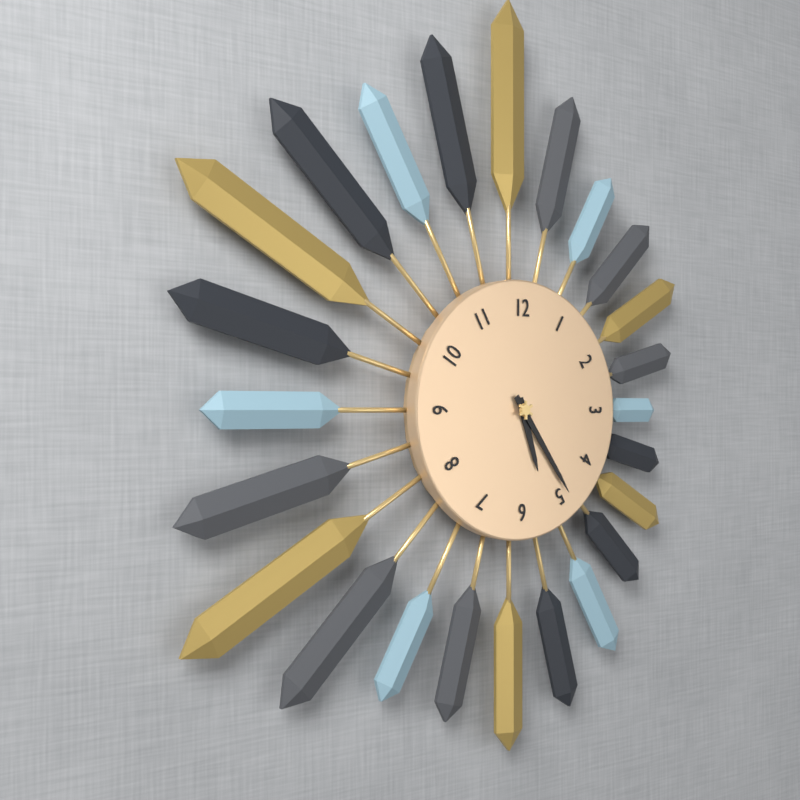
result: 5.24
